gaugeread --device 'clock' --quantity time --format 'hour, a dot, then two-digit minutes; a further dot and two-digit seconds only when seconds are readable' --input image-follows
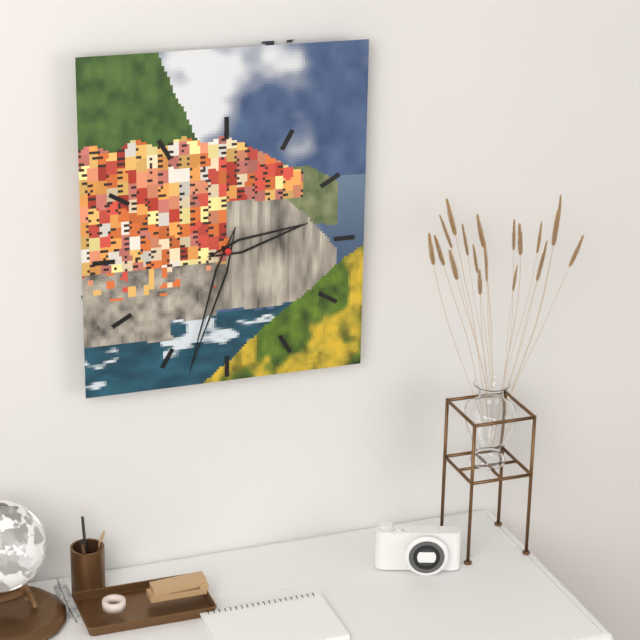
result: 2.33
